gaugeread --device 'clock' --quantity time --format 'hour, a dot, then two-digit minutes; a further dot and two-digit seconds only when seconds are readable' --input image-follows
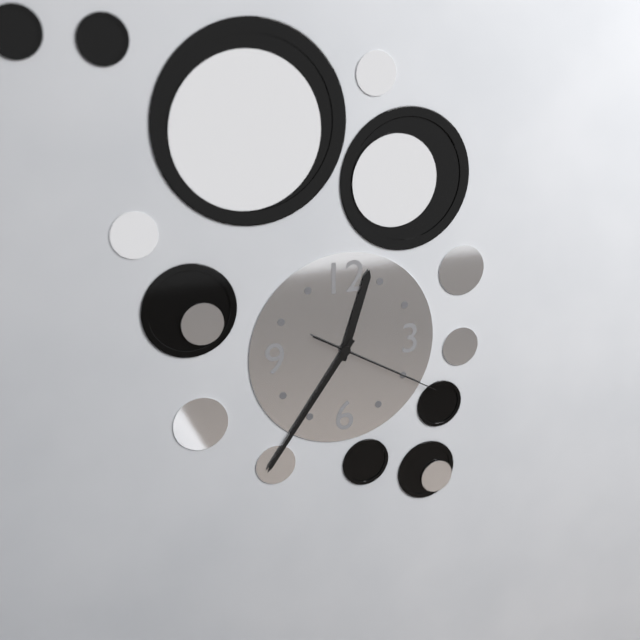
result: 12.36.20
